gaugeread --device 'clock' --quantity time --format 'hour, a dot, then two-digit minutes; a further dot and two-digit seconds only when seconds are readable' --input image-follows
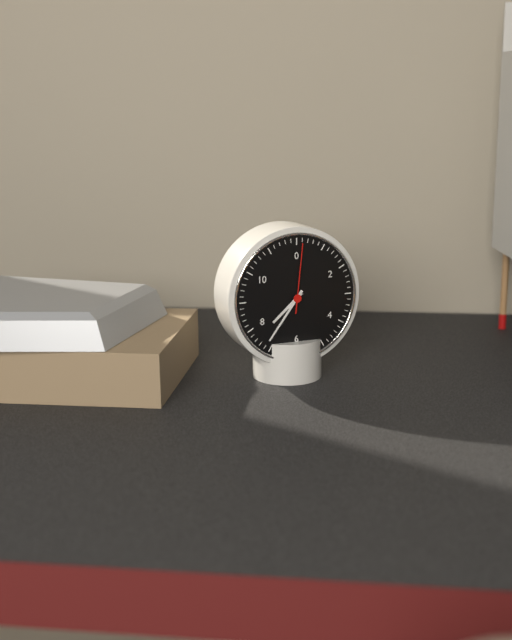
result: 7.36.01
